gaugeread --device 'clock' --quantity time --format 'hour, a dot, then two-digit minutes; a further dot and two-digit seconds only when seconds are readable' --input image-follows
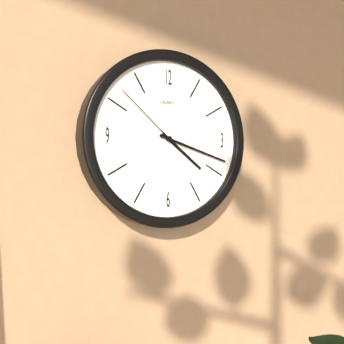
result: 4.18.52
